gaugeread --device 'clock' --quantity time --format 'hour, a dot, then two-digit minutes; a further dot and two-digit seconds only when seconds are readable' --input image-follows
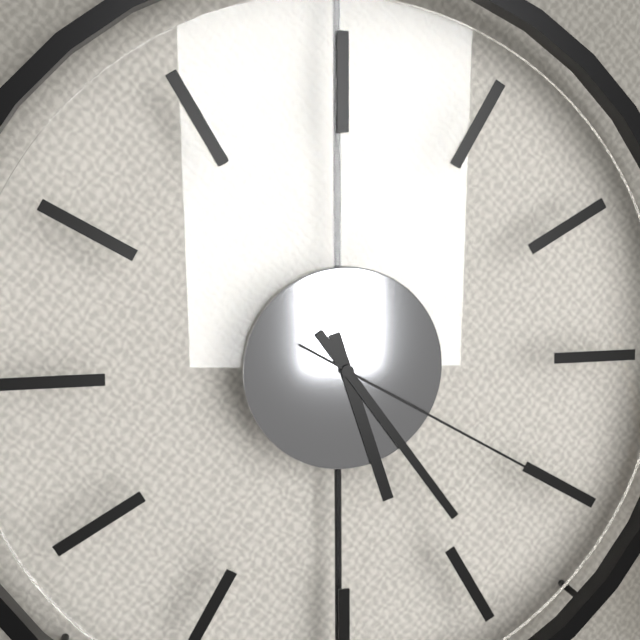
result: 5.24.20
